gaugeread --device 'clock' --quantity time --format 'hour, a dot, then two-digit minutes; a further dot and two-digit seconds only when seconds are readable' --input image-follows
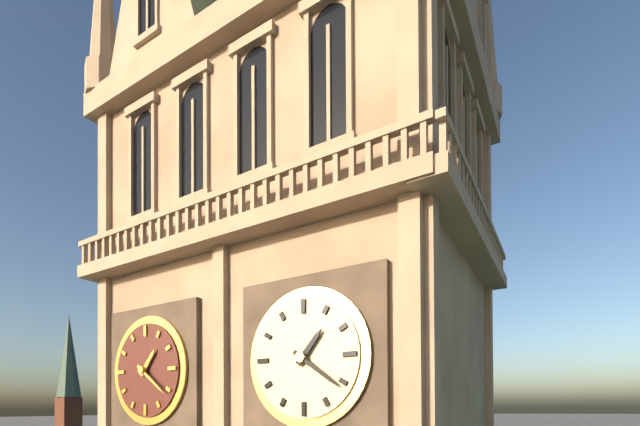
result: 1.21
